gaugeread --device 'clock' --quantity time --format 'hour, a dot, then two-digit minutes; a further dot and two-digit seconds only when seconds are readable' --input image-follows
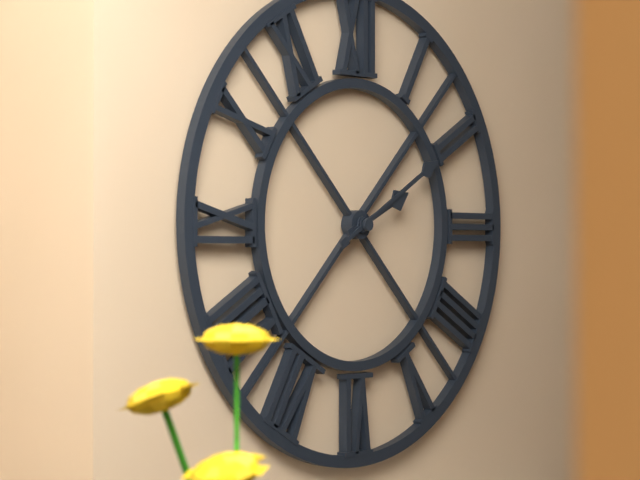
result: 2.10
